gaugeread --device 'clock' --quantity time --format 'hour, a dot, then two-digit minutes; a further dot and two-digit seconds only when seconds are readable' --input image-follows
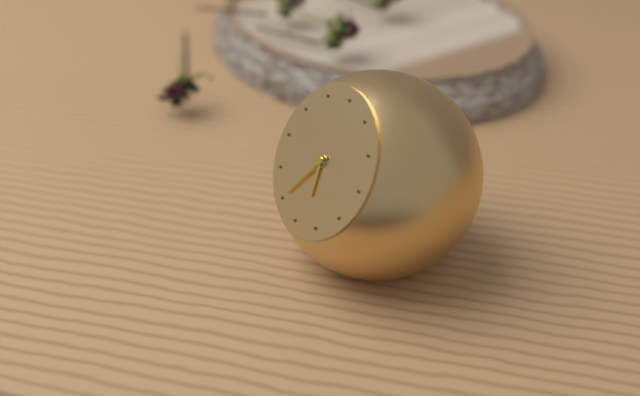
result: 5.35
